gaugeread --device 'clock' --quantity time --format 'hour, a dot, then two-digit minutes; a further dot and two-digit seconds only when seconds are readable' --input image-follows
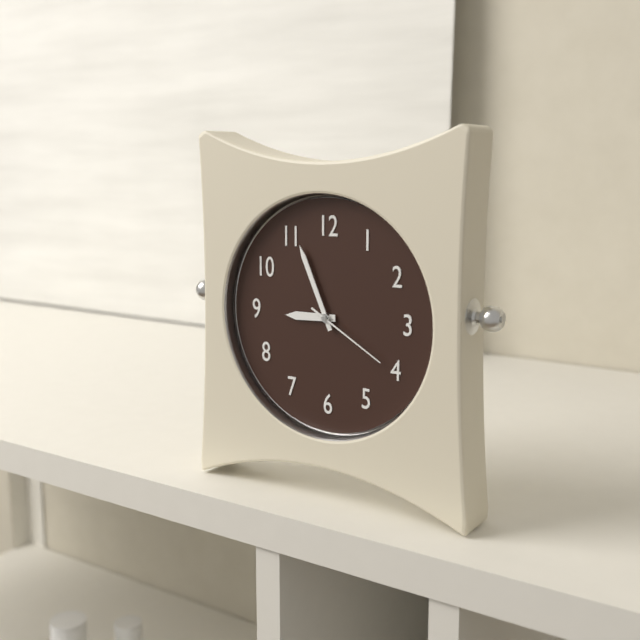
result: 8.56.20
